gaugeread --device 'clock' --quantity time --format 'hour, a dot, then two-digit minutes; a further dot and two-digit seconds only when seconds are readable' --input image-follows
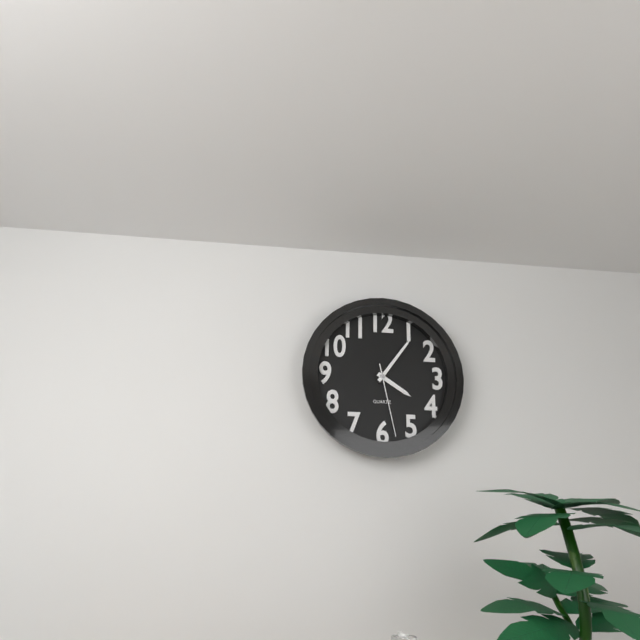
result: 4.06.28
